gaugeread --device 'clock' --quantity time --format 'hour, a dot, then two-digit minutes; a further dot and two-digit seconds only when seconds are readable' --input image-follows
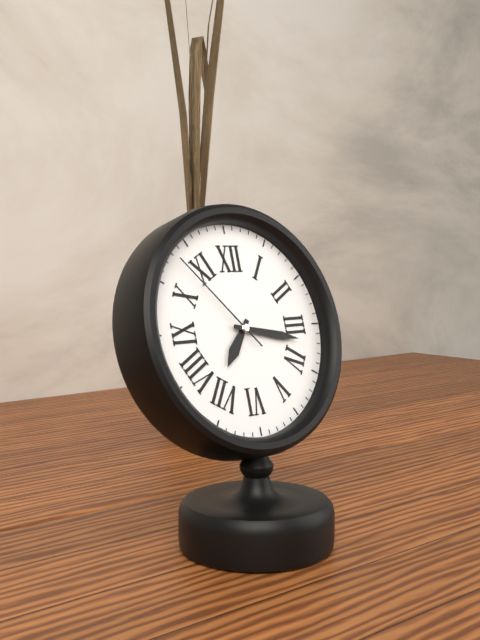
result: 7.17.53
